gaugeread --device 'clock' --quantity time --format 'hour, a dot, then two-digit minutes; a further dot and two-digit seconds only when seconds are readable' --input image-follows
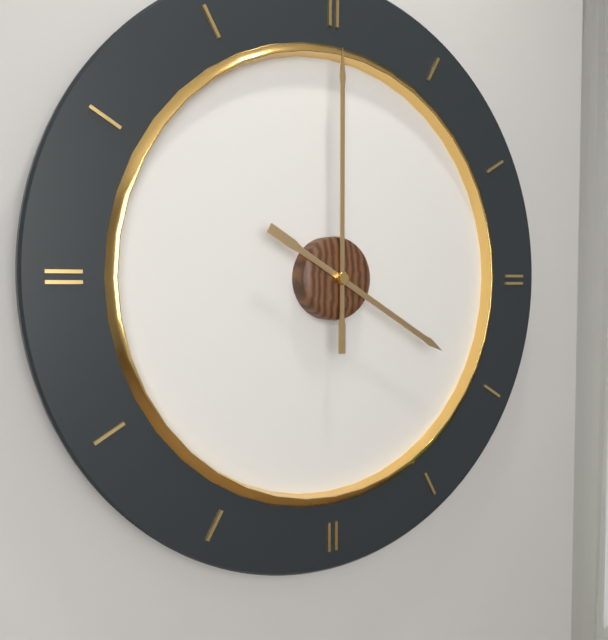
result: 4.00
